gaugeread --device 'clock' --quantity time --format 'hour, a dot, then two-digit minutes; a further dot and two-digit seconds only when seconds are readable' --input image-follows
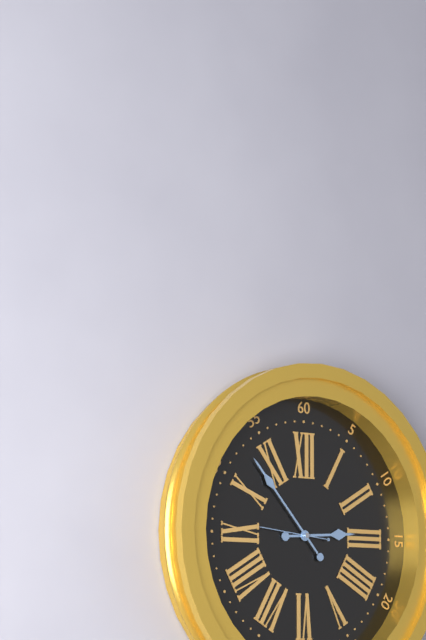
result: 2.53.46
